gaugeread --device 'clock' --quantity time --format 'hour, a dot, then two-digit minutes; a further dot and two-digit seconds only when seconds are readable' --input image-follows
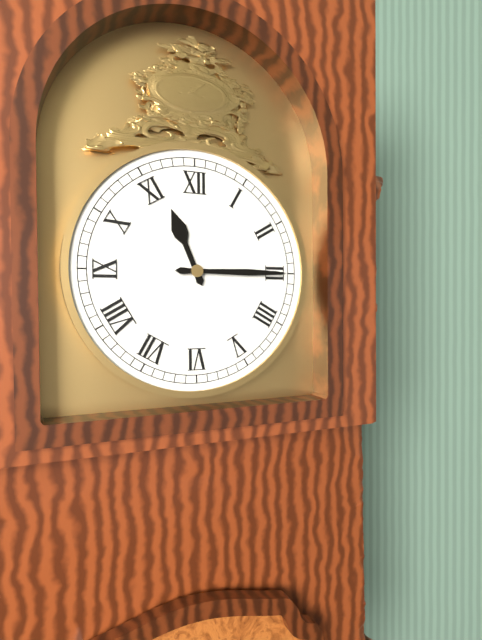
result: 11.15
